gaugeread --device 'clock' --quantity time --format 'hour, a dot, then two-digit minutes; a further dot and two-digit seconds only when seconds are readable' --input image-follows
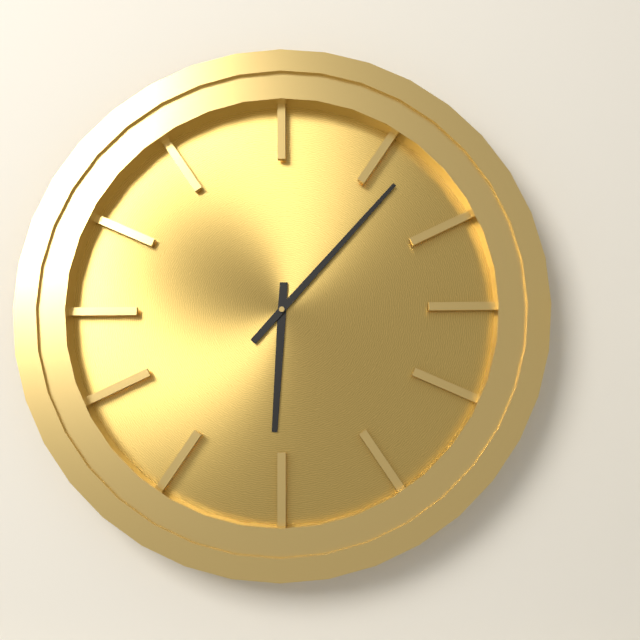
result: 6.07
